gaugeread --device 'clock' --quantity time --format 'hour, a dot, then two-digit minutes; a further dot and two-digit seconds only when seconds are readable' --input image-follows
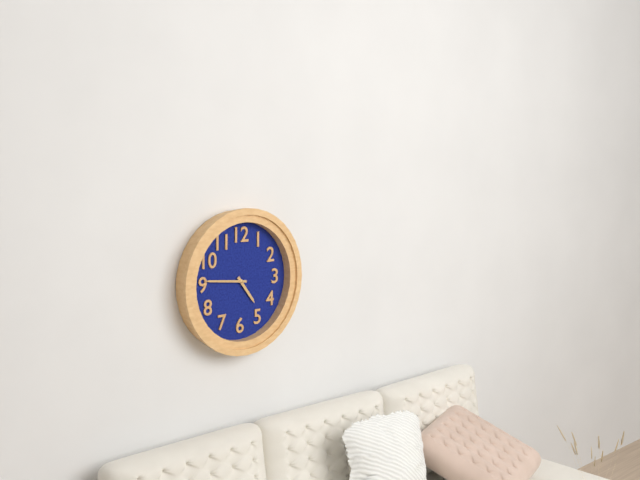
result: 4.46
